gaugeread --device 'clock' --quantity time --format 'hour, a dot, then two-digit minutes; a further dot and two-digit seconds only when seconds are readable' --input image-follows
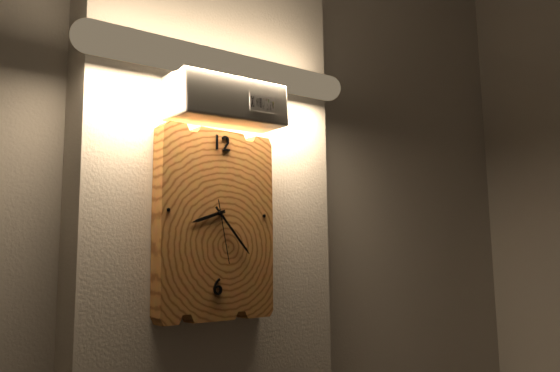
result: 8.23.28
